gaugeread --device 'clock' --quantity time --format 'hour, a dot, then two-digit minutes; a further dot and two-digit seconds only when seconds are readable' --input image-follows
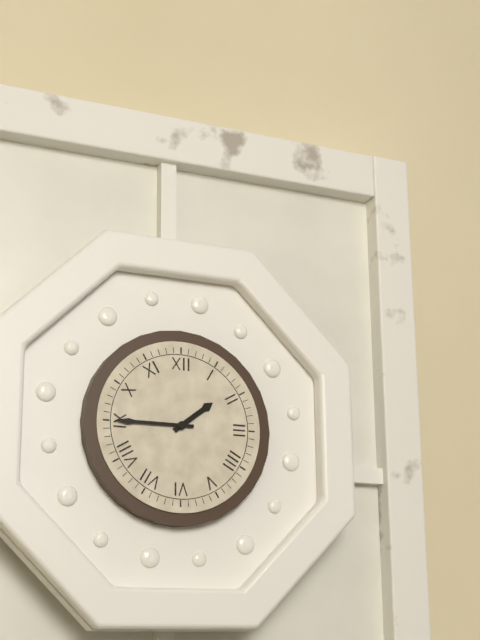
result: 1.45
